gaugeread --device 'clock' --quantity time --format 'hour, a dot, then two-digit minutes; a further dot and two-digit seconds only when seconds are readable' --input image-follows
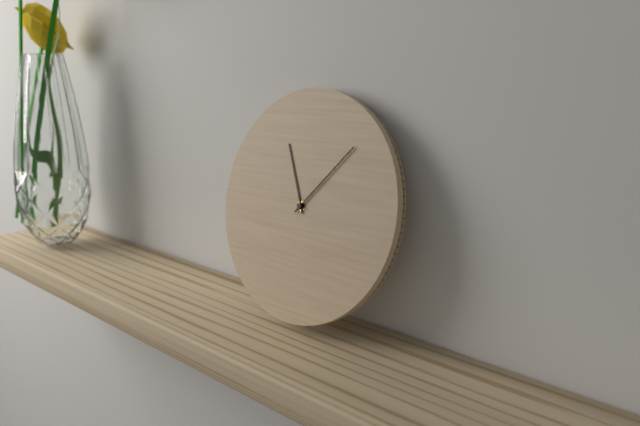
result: 11.07
